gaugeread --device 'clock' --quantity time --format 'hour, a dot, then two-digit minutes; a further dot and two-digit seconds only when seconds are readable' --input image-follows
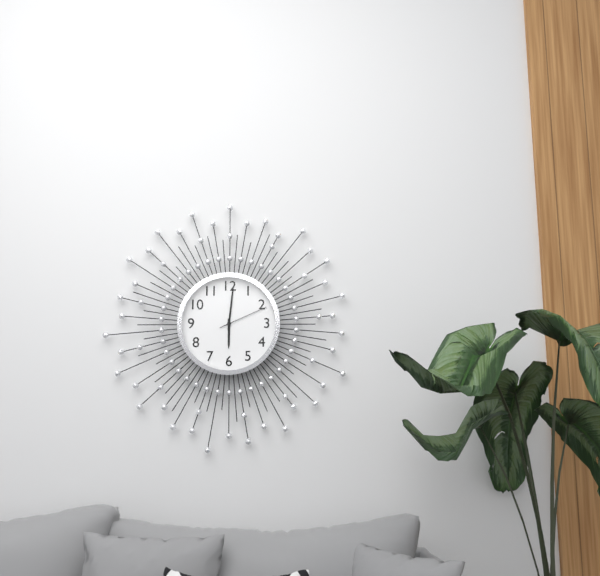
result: 6.01.11
